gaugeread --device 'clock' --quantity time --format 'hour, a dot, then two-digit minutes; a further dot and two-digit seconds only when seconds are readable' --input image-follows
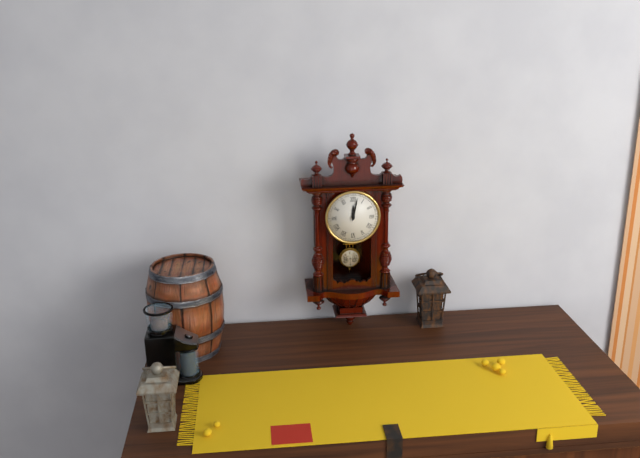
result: 12.02
